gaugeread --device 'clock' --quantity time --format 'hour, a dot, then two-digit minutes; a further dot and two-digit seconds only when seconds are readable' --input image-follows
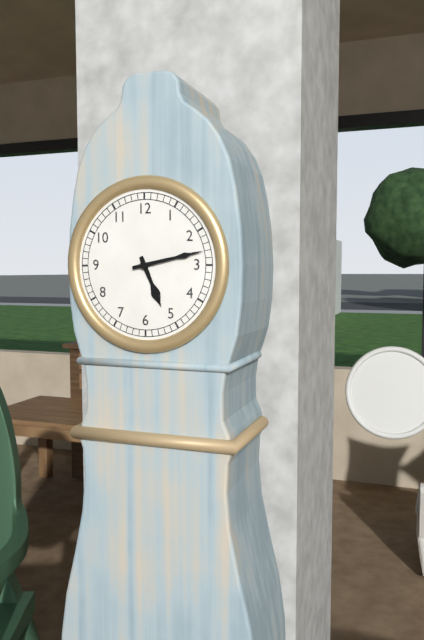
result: 5.13
